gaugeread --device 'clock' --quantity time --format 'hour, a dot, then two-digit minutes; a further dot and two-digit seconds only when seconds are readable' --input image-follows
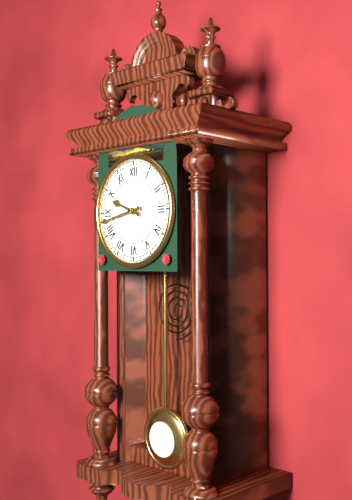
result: 9.43
